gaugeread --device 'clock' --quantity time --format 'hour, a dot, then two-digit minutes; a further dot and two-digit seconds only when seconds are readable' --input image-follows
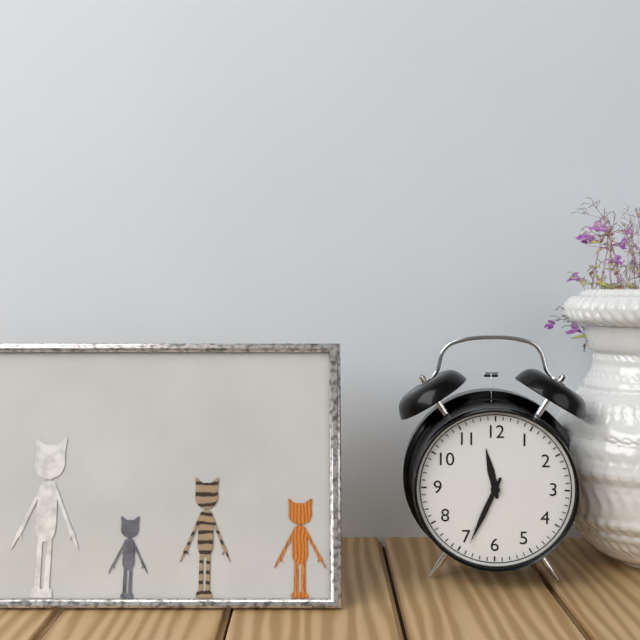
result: 11.34
